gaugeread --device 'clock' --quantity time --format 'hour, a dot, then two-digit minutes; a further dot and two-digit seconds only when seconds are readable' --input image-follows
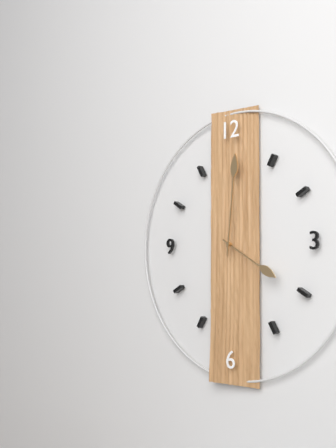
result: 4.01
